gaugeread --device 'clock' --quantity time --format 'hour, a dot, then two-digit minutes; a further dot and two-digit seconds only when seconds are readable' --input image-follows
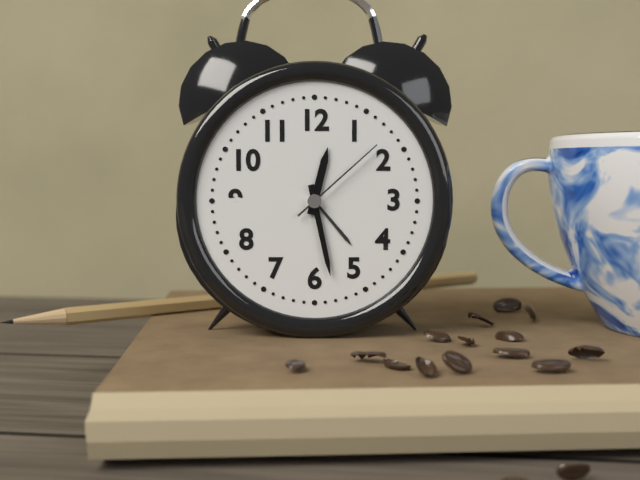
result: 12.28.08
